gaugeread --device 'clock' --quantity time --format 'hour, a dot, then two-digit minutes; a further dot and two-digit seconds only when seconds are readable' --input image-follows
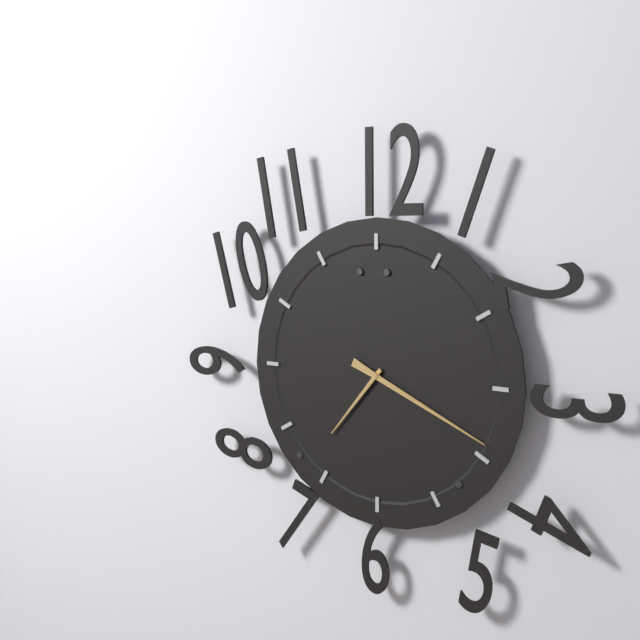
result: 7.19
